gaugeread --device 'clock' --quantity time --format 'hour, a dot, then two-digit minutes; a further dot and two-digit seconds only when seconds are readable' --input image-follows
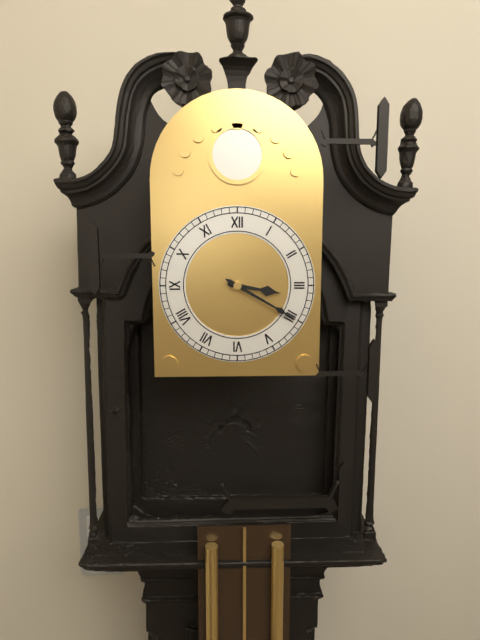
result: 3.20
